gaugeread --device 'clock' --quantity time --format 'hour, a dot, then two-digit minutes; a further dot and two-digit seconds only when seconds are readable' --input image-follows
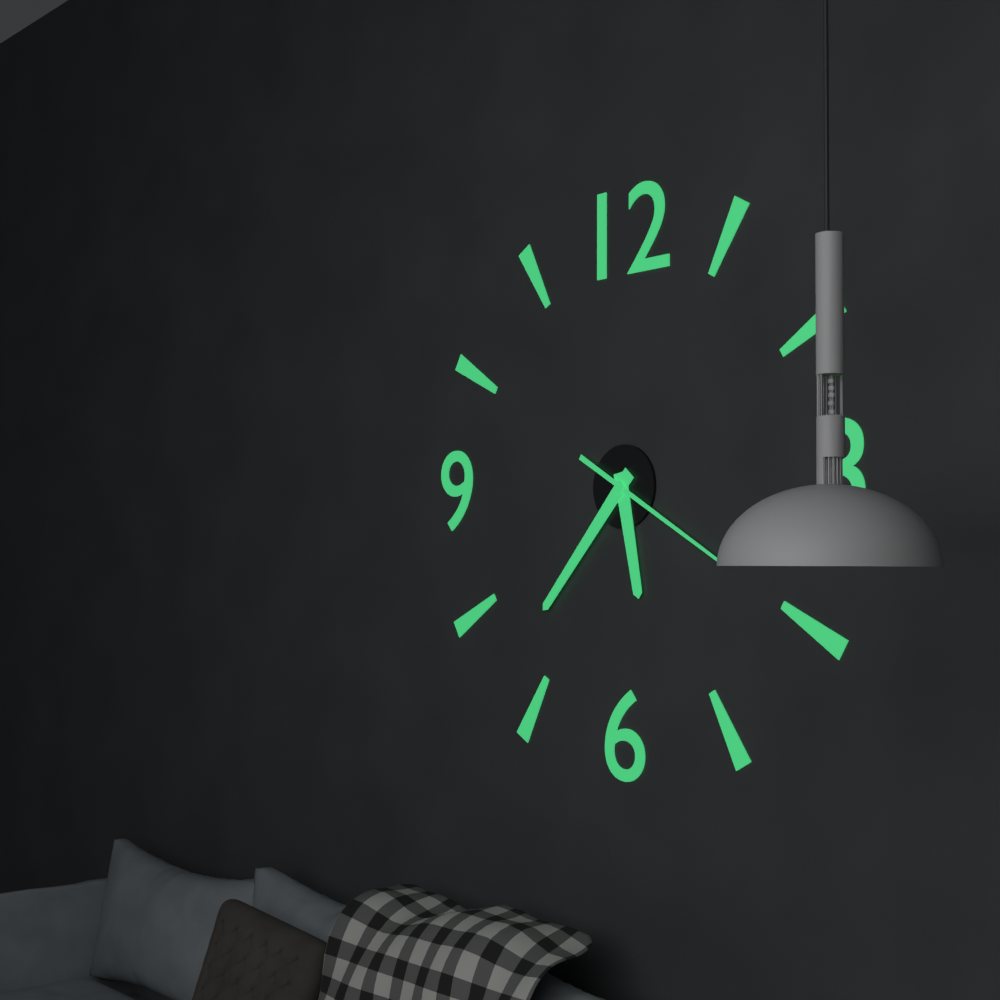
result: 5.37.20
